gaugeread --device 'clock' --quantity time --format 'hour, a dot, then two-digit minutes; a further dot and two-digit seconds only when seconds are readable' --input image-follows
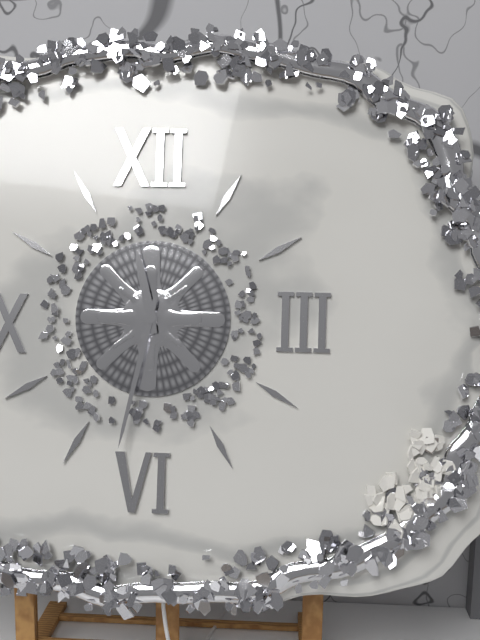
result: 11.32
